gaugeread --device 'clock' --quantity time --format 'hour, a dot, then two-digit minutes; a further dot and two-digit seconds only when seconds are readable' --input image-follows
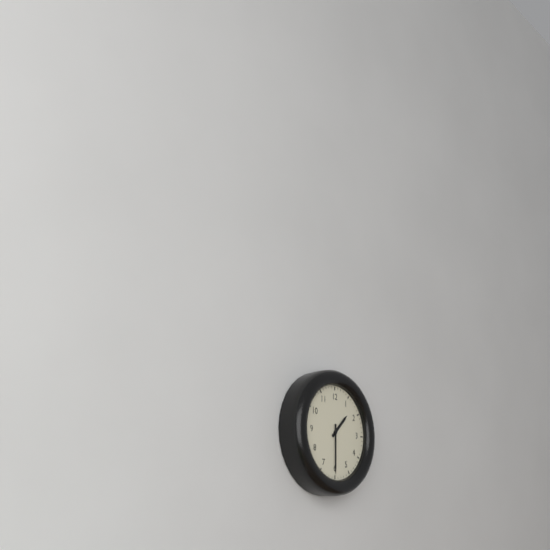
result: 1.30
